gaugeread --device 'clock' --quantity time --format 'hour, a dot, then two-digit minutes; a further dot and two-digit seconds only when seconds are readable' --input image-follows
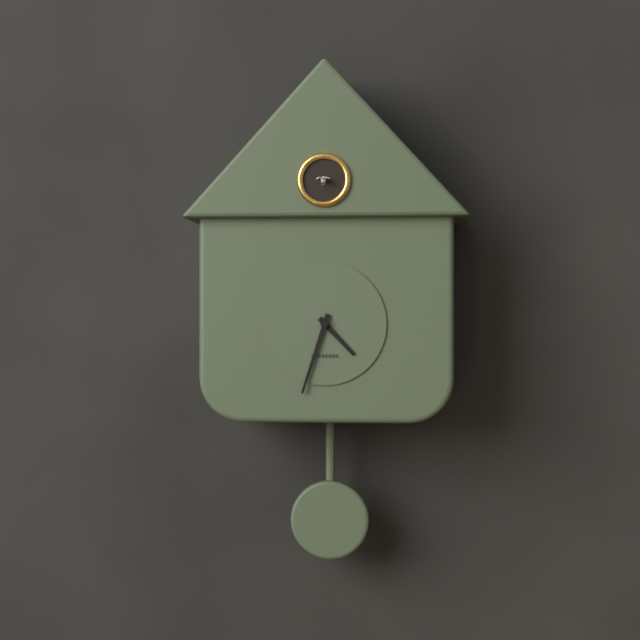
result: 4.33
